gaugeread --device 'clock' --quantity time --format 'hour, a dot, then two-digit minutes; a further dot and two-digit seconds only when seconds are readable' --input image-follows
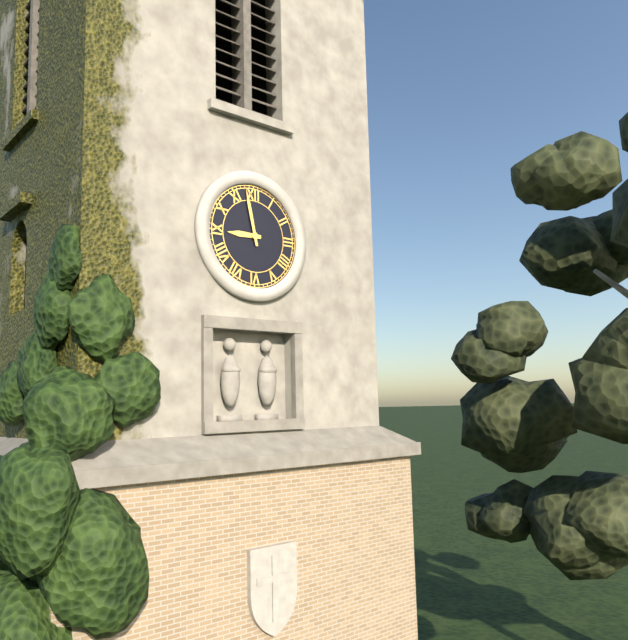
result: 8.58
